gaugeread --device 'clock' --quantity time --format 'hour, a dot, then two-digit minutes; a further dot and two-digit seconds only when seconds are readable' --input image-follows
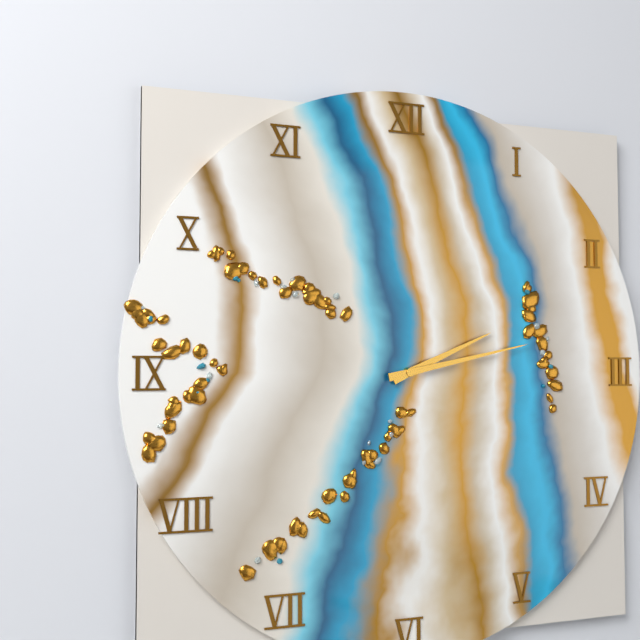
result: 2.13
